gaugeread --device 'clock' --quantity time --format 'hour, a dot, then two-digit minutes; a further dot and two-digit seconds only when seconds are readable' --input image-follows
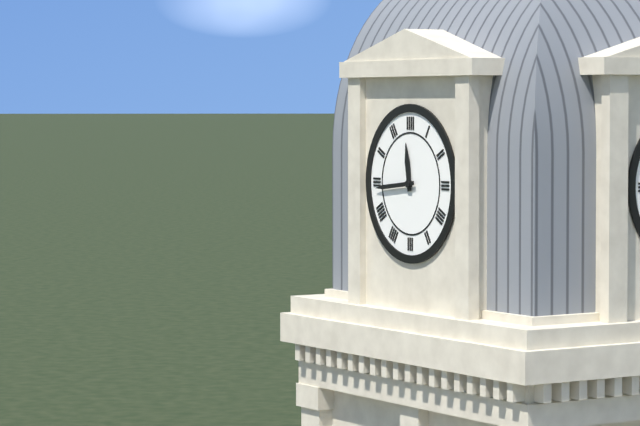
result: 11.44
